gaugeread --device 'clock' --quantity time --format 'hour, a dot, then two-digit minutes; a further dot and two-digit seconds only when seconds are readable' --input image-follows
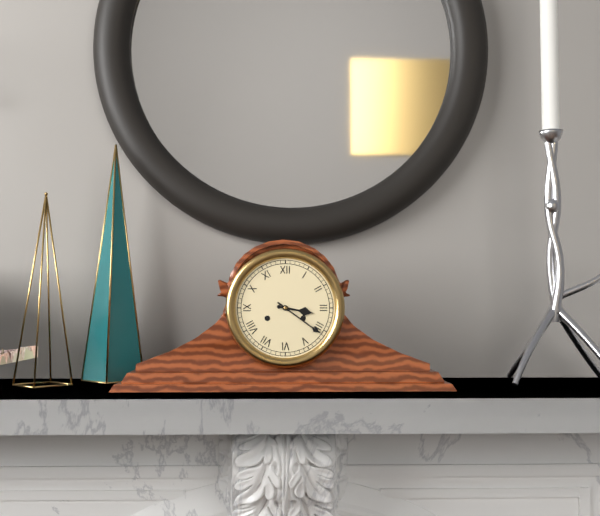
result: 3.21
